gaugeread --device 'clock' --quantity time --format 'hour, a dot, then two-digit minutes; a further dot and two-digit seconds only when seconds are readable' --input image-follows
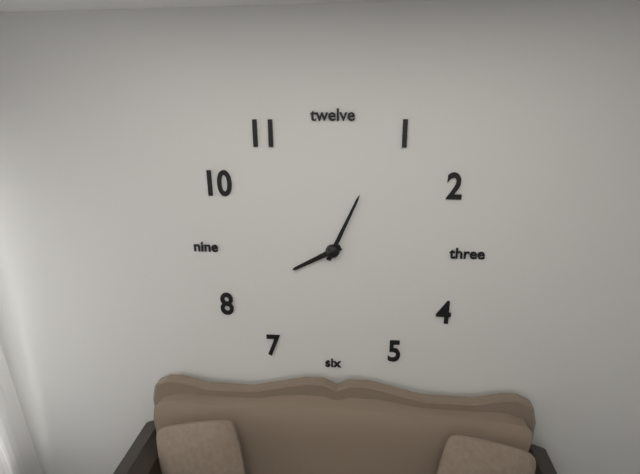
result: 8.04
